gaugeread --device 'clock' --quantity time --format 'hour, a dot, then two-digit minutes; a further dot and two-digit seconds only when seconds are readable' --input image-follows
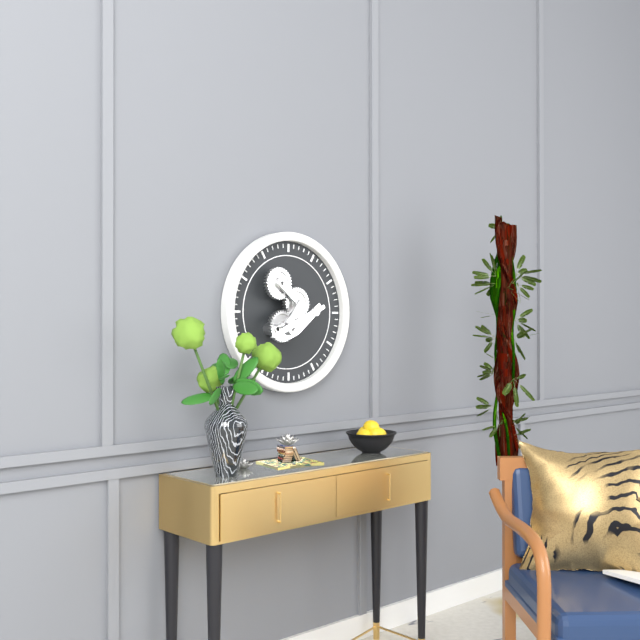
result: 7.41
